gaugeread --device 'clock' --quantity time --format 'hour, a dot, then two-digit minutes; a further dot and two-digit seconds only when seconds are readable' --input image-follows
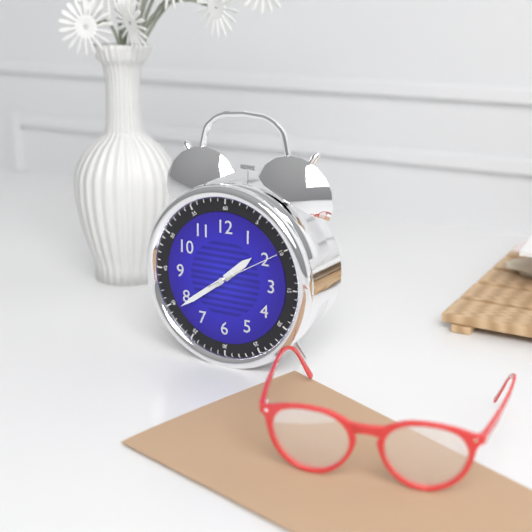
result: 1.39.10
